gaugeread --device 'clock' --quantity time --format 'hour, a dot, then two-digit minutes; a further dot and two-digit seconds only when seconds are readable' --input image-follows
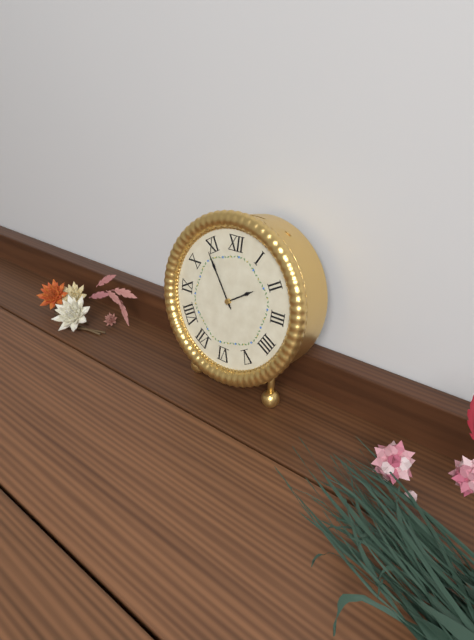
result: 1.54
